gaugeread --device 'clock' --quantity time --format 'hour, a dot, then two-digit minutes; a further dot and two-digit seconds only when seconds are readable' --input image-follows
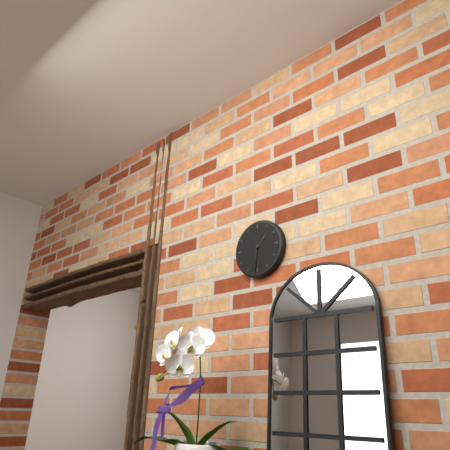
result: 1.31
